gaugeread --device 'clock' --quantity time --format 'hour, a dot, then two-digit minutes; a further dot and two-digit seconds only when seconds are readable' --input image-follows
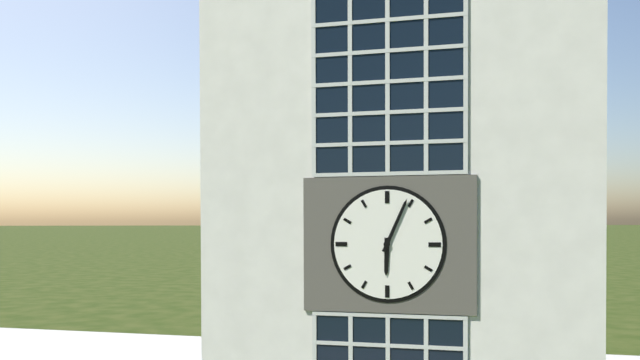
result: 6.04
